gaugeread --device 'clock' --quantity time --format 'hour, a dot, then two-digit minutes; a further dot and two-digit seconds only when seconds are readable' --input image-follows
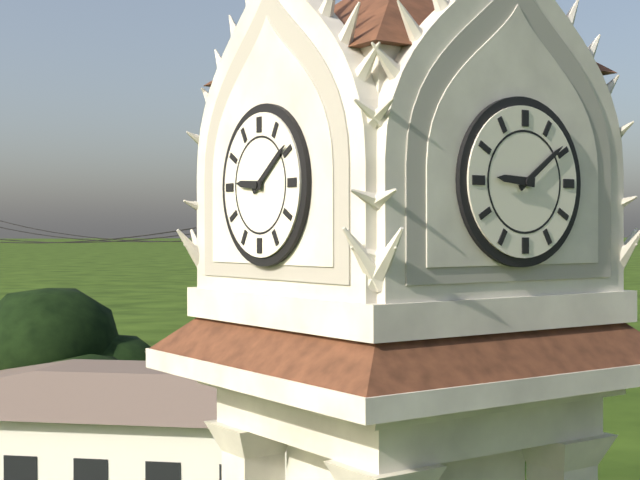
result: 9.09
